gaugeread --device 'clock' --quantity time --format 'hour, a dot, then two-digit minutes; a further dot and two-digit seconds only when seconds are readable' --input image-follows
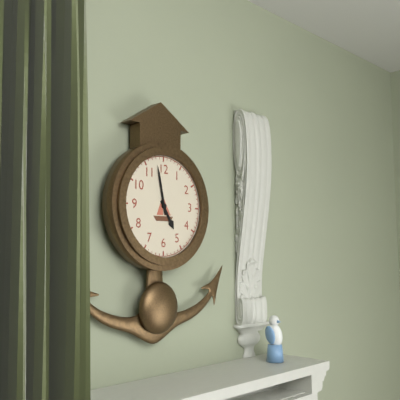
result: 4.58
